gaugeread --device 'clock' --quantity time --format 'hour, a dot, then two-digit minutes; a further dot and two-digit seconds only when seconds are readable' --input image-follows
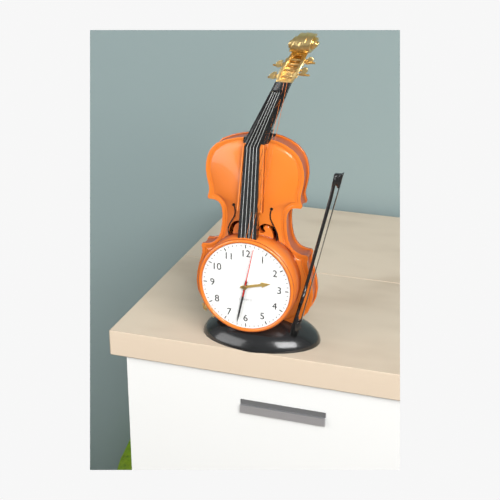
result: 2.32
